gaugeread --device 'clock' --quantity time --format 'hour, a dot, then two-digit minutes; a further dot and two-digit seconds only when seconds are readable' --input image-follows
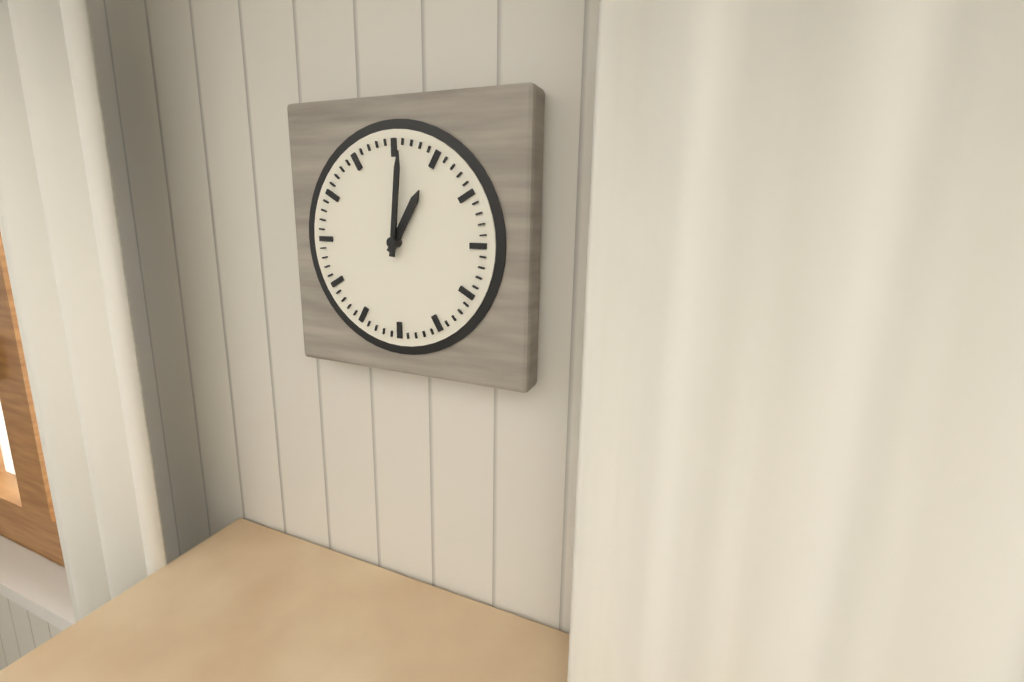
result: 1.01
